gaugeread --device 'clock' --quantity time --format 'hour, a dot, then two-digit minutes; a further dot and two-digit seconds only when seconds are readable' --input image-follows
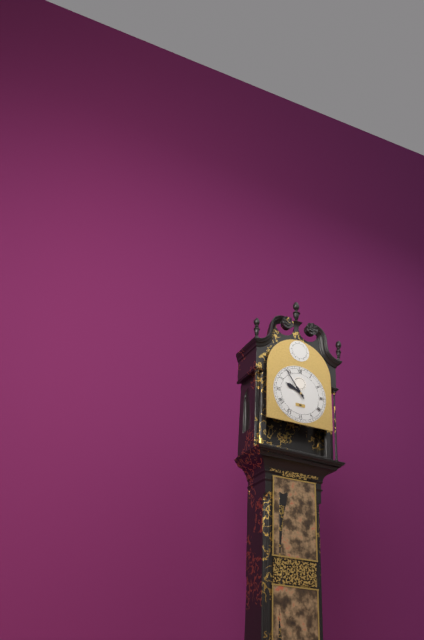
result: 9.54
